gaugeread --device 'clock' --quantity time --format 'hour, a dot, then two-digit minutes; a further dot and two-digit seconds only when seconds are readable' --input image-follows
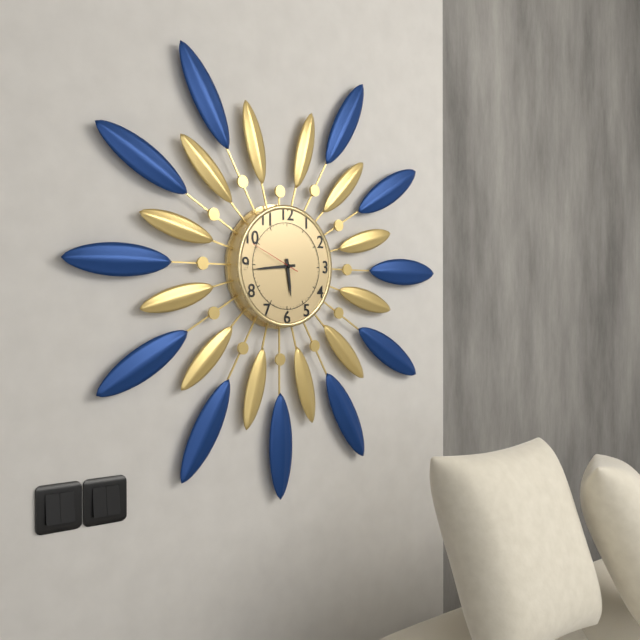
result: 5.44.49
